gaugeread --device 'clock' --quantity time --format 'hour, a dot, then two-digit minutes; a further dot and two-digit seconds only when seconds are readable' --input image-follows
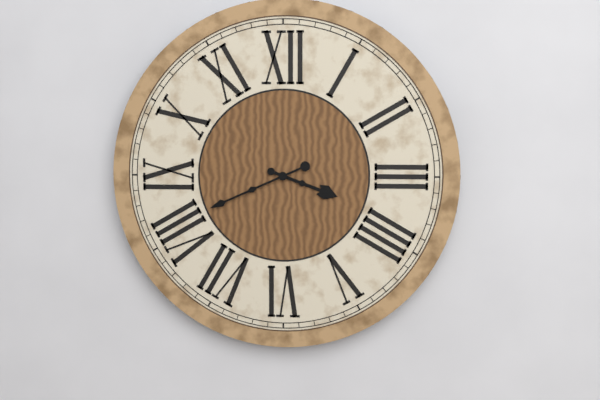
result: 3.41
